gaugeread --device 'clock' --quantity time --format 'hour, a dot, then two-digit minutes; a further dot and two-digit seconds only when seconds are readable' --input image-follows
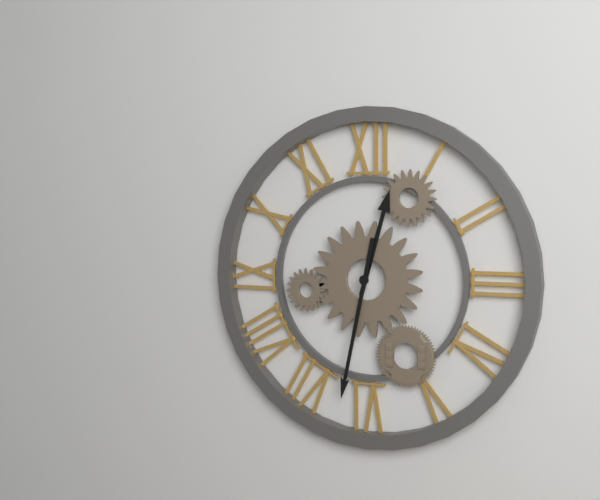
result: 12.32
